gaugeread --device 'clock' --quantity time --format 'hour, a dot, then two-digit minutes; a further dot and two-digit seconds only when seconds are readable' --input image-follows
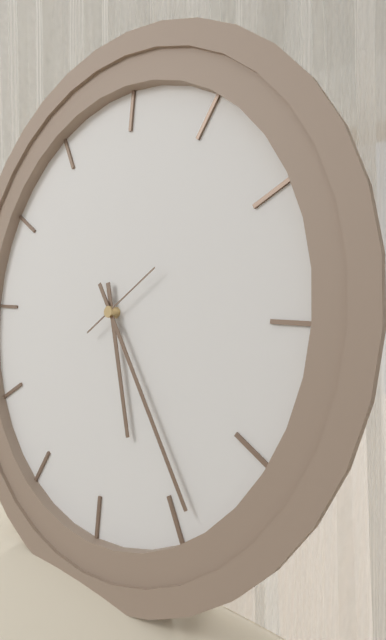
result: 5.24.09
